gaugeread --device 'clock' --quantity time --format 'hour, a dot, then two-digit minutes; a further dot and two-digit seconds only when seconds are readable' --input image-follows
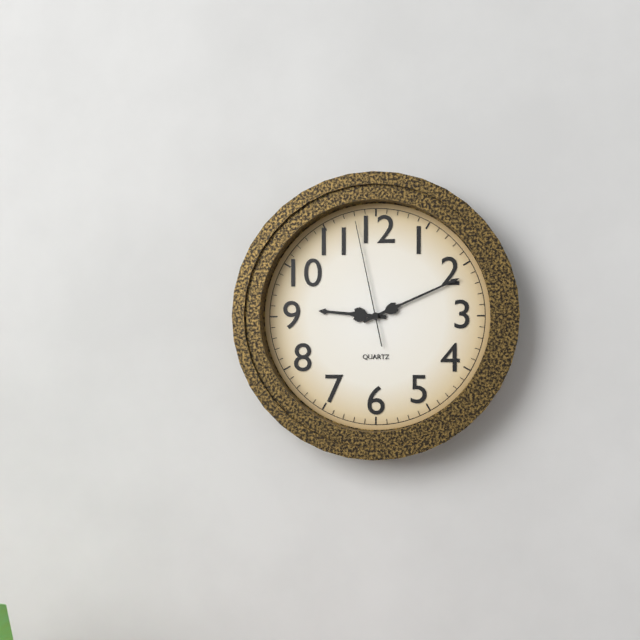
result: 9.11.58
